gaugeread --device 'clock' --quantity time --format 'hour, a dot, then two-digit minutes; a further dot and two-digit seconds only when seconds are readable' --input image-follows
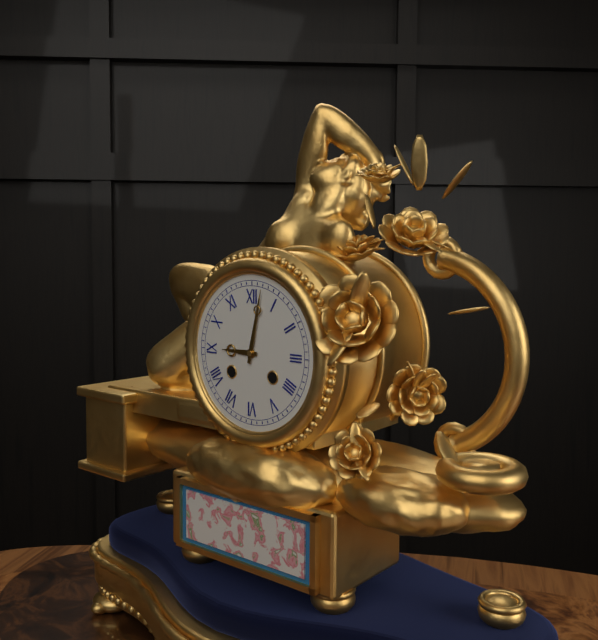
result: 9.02
